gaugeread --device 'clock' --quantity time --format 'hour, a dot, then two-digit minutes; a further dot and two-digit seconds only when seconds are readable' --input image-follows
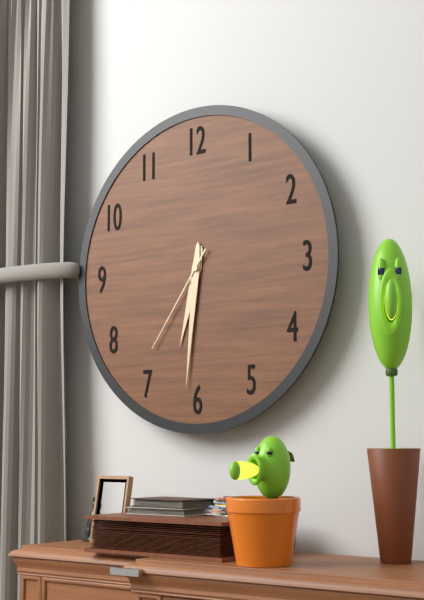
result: 6.31.36
